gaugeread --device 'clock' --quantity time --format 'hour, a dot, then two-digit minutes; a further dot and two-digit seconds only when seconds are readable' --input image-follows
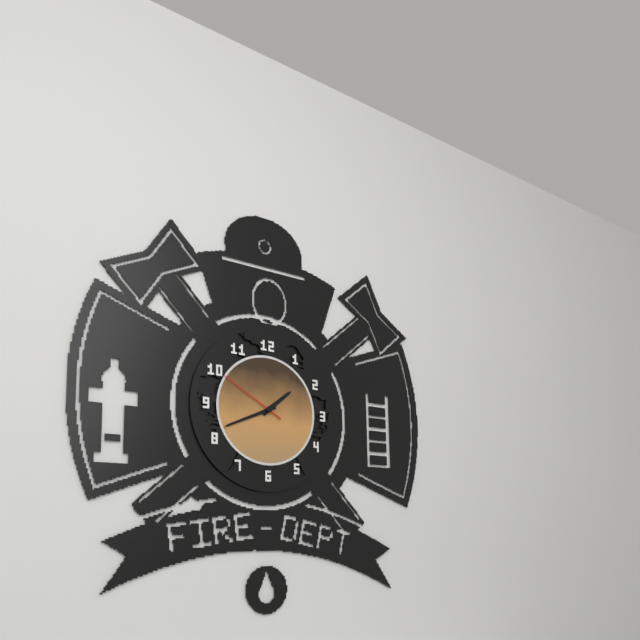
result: 1.41.50
